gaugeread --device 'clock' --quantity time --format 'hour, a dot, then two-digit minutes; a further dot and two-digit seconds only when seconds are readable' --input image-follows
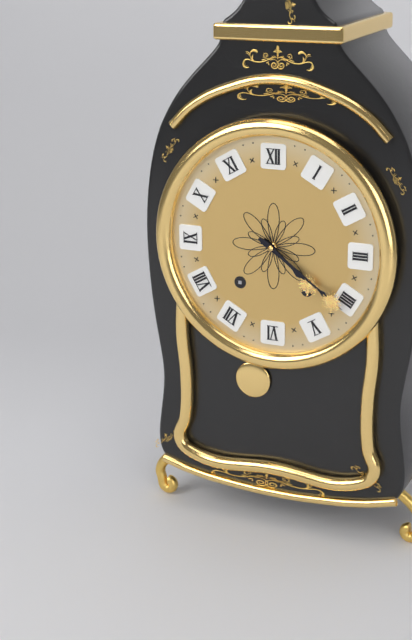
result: 4.21
